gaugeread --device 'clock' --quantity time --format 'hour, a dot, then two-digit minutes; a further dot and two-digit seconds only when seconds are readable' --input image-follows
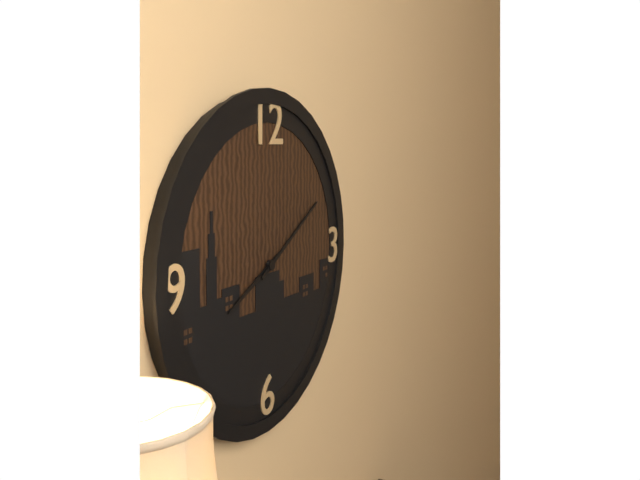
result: 8.10
